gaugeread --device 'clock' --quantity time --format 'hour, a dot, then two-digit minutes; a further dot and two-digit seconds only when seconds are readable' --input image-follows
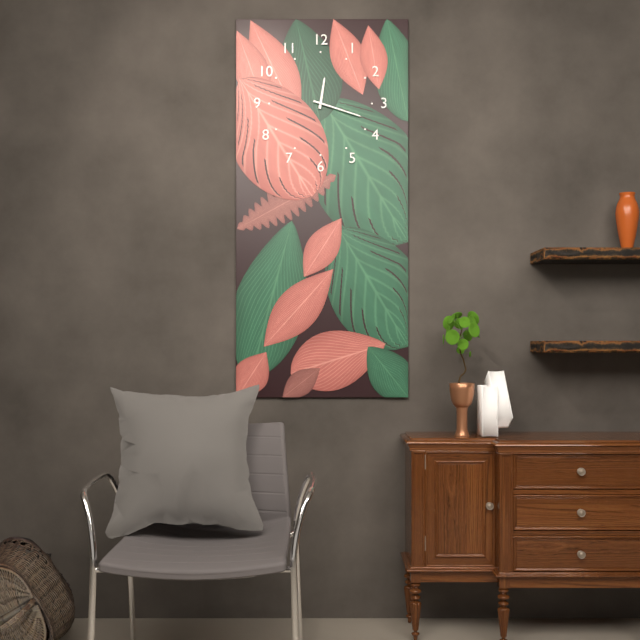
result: 12.18
